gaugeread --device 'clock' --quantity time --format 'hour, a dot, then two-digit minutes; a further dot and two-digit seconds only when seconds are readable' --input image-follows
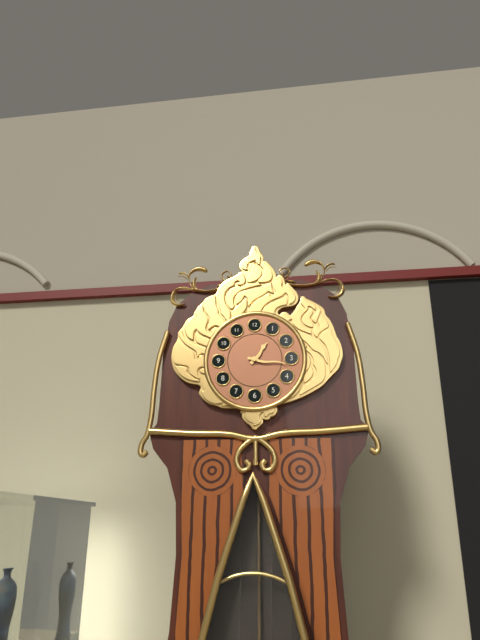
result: 1.17
